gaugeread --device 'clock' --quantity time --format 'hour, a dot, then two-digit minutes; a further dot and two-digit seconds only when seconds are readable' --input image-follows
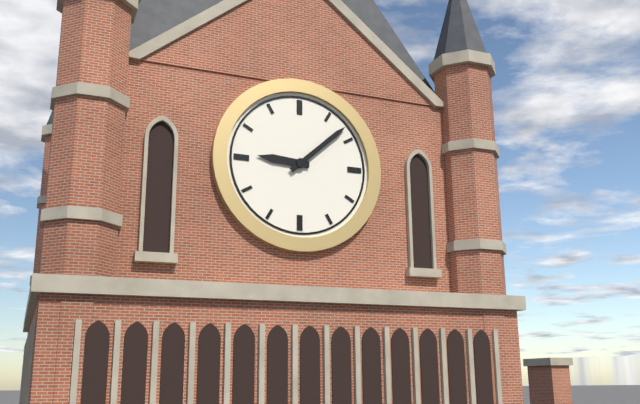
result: 9.08
